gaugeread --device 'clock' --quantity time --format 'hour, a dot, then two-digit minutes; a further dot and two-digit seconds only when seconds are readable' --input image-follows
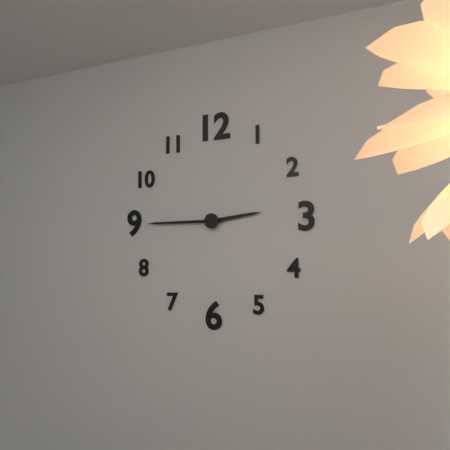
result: 2.45
